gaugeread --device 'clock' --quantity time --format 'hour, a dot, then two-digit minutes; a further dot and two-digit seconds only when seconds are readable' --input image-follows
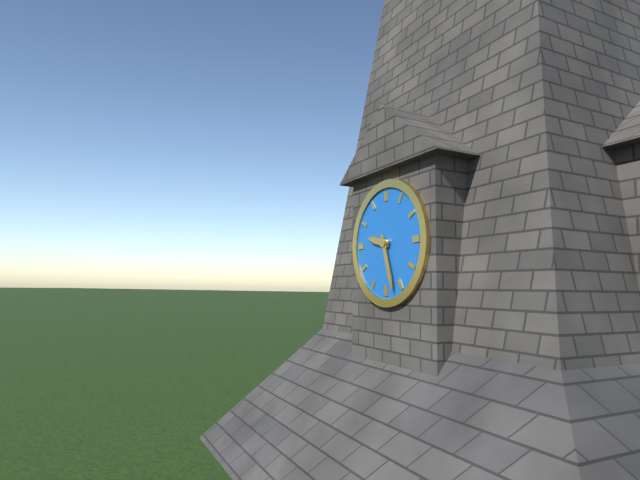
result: 9.27
